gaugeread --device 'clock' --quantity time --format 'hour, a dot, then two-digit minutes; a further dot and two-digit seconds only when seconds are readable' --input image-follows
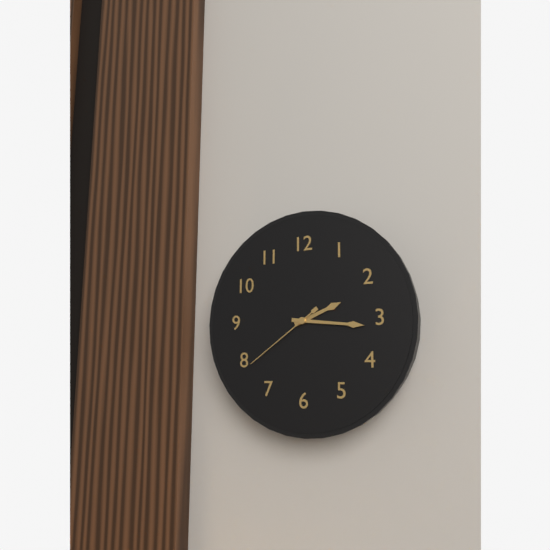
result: 2.16.39
